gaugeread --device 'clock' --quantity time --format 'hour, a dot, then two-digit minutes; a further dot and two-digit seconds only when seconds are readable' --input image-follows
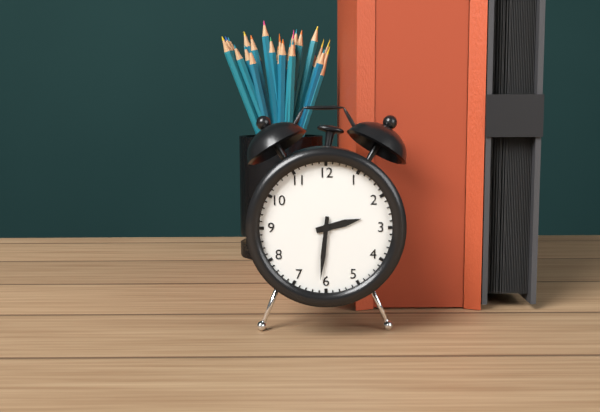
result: 2.31
